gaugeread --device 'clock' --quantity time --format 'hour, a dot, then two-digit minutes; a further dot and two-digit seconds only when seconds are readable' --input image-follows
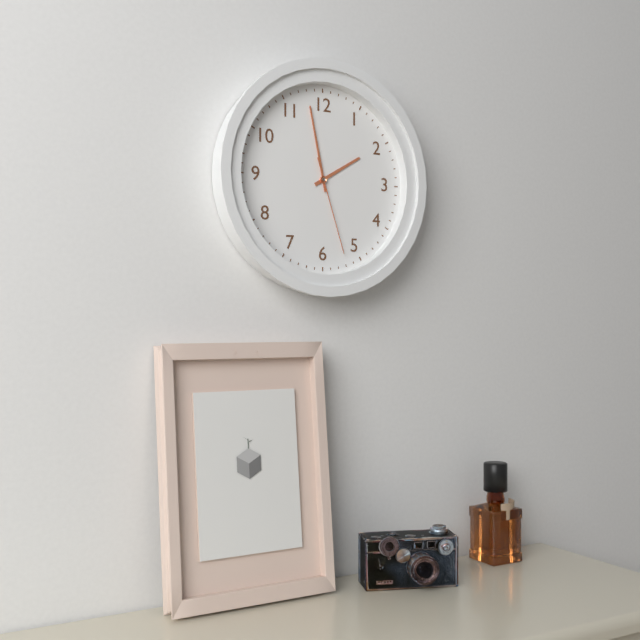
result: 1.58.27
